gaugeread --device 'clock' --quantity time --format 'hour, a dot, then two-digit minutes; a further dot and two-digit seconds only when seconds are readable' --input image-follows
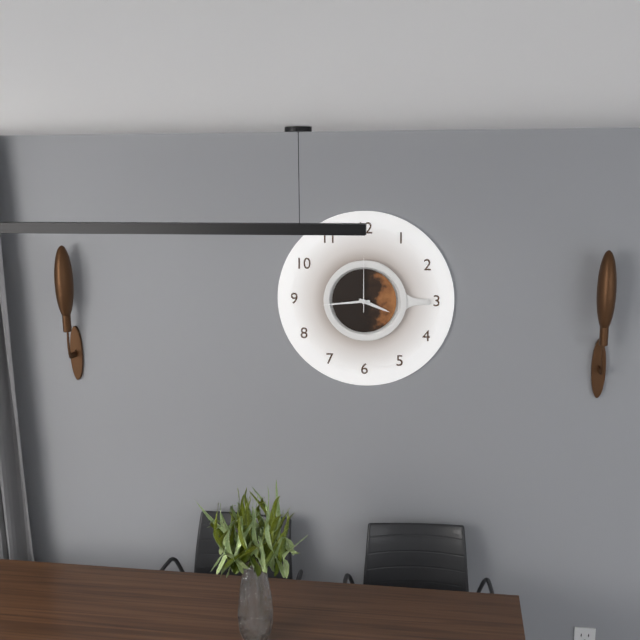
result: 3.44.00
